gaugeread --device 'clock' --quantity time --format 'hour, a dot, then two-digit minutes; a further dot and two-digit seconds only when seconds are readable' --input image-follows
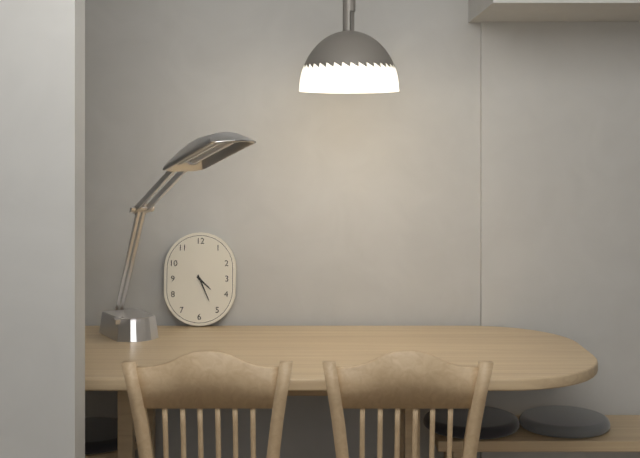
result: 4.26
